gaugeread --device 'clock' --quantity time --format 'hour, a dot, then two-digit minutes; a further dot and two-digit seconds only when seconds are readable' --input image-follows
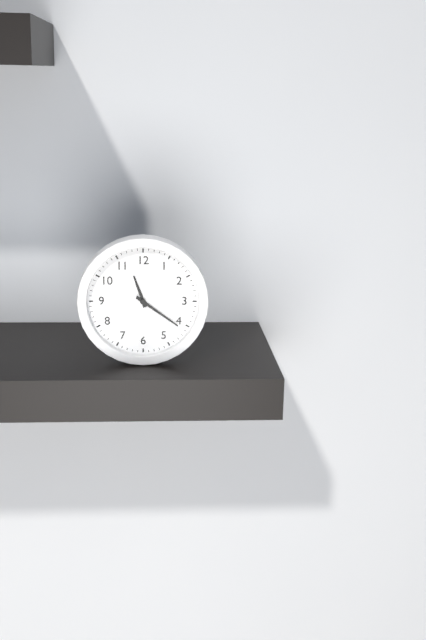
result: 11.21
